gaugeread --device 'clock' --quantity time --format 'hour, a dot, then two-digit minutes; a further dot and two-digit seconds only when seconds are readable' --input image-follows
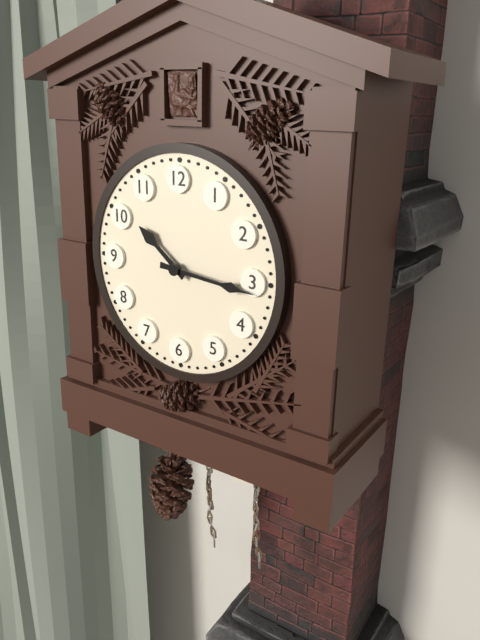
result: 10.16
